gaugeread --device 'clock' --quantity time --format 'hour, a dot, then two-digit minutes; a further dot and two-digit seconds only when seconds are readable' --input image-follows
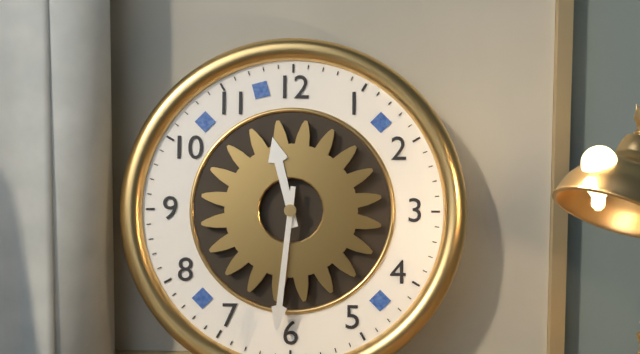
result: 11.31
